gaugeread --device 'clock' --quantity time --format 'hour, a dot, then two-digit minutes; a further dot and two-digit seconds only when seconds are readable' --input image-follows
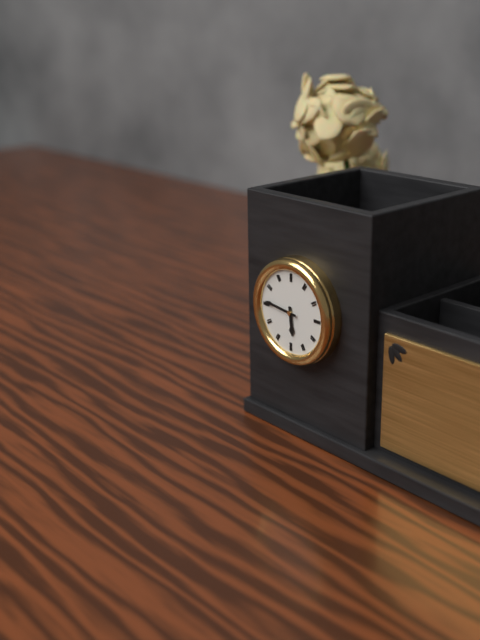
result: 5.46
